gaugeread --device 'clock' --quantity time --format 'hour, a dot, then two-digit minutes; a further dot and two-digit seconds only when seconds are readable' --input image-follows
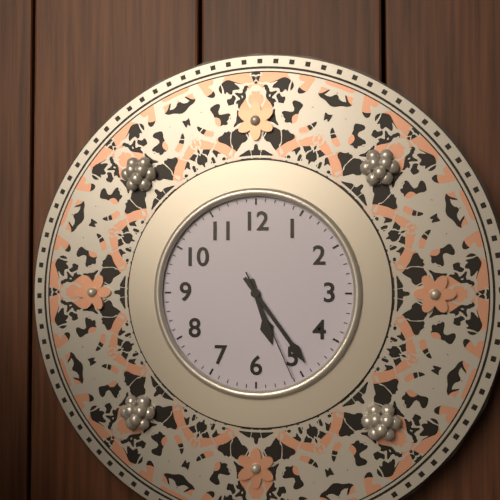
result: 5.24.26
